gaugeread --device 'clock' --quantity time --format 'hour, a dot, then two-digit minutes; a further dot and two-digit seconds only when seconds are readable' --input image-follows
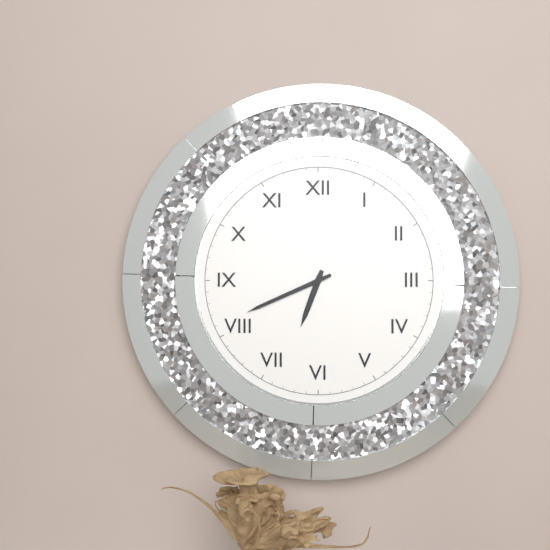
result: 6.41
